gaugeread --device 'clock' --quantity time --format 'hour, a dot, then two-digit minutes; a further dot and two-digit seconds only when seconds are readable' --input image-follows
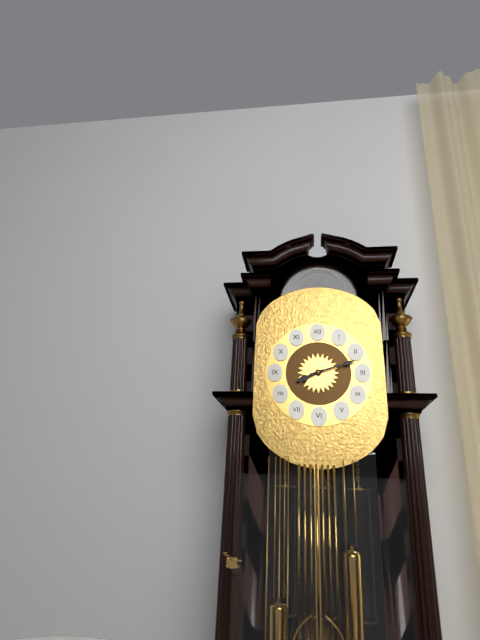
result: 8.12
